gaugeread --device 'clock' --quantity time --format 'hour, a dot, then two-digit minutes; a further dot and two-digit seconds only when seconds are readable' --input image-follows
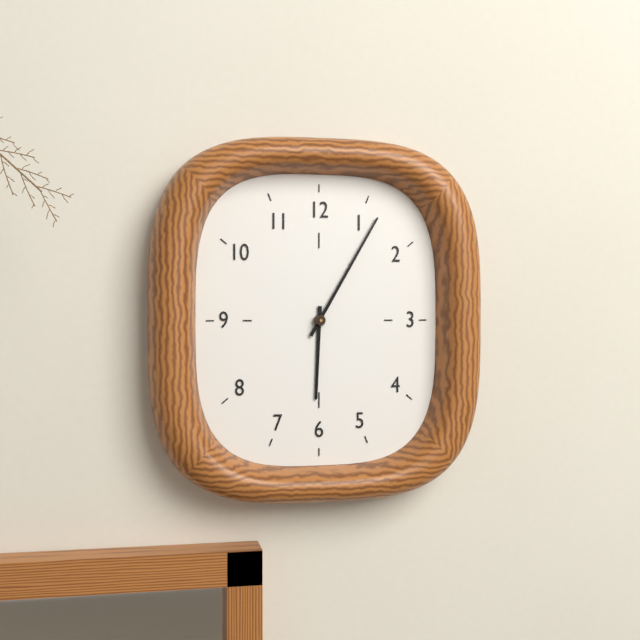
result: 6.05
